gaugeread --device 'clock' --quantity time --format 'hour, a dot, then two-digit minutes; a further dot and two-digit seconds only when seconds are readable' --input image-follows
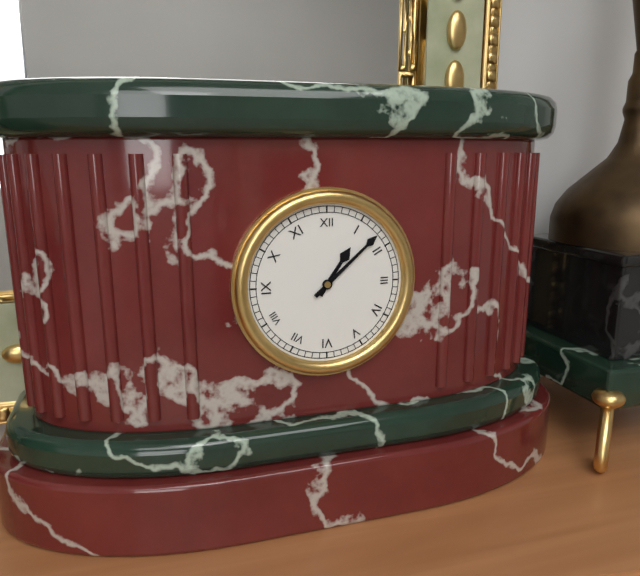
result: 1.08
